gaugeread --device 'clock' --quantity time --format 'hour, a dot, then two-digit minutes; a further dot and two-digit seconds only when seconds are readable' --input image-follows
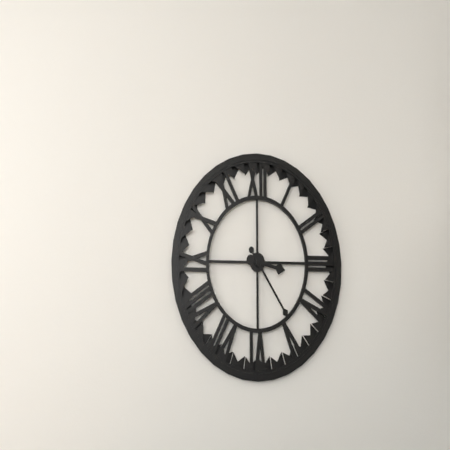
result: 3.24
